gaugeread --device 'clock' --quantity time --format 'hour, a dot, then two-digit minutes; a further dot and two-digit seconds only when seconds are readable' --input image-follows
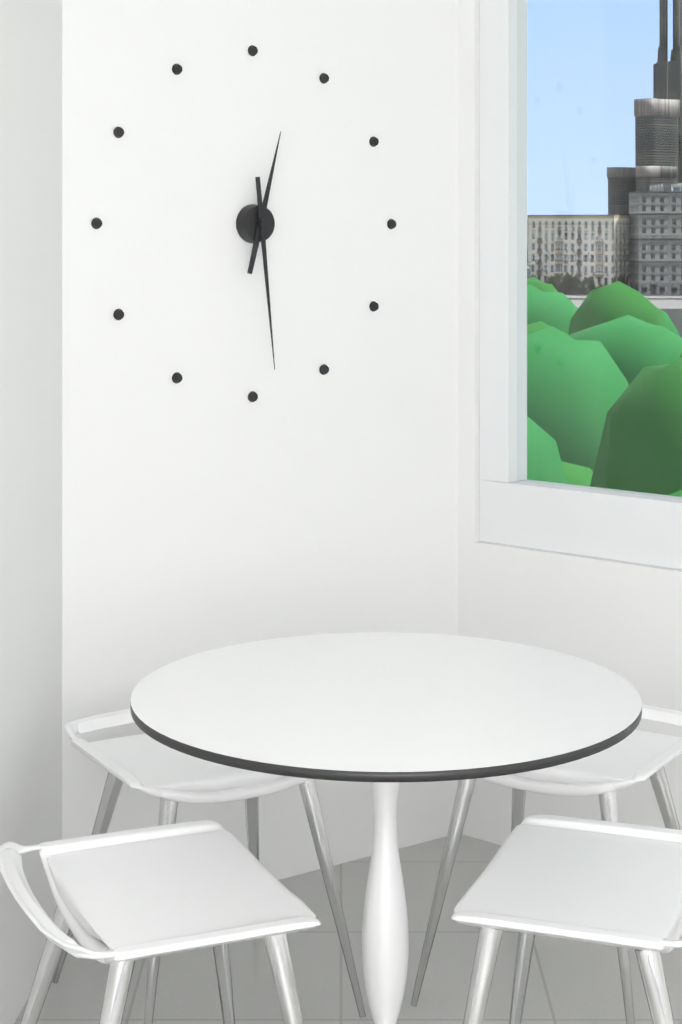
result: 12.29
